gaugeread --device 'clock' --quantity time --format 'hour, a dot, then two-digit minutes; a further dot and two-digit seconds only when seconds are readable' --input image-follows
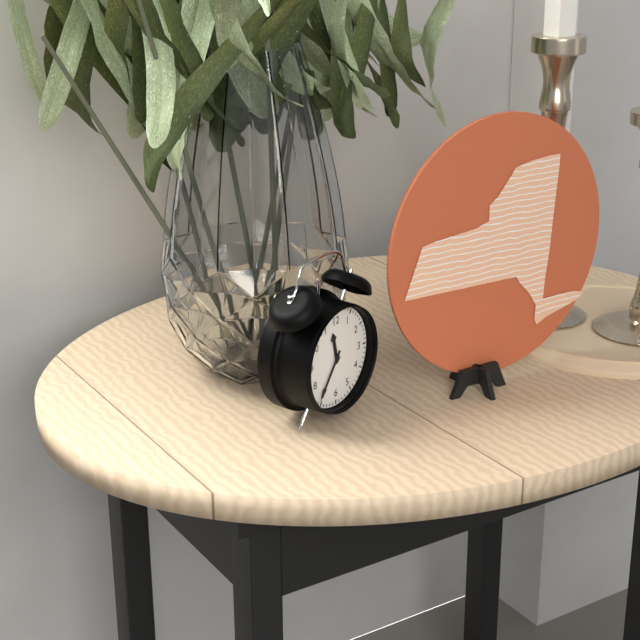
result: 11.36
